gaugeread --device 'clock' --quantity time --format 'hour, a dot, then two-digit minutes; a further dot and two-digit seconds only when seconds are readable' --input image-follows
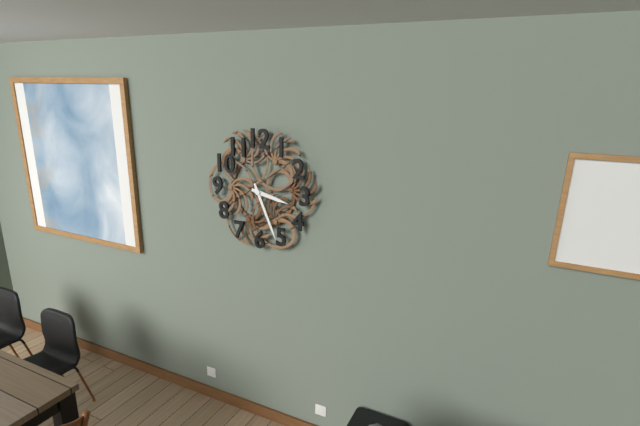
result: 3.26
